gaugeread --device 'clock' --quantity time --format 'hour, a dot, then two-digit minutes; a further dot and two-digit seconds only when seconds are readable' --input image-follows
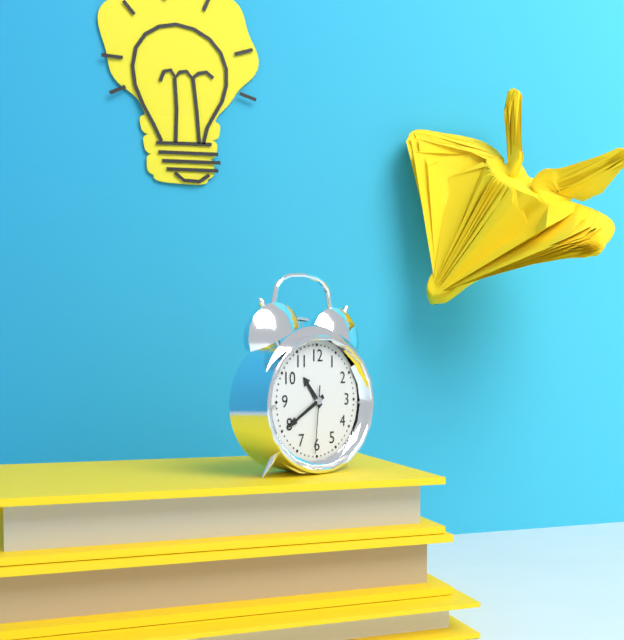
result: 10.40.31
